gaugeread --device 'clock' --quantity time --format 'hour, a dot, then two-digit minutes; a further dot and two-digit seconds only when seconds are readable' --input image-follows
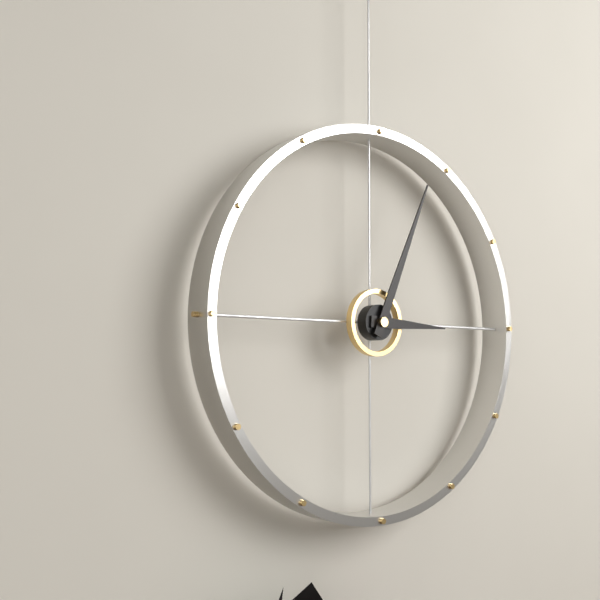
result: 3.04
